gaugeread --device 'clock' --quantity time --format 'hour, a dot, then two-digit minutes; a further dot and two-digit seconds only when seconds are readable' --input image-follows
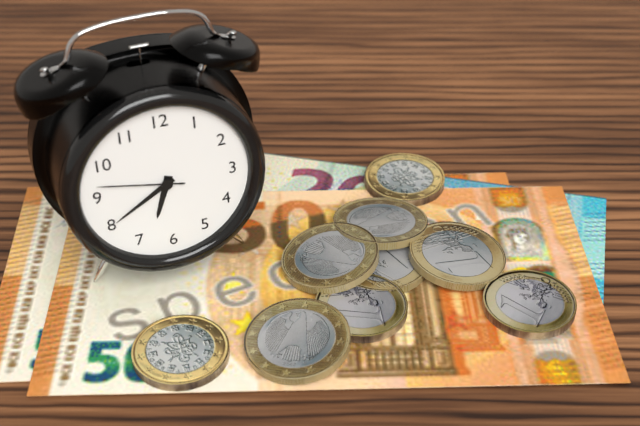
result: 6.40.47
